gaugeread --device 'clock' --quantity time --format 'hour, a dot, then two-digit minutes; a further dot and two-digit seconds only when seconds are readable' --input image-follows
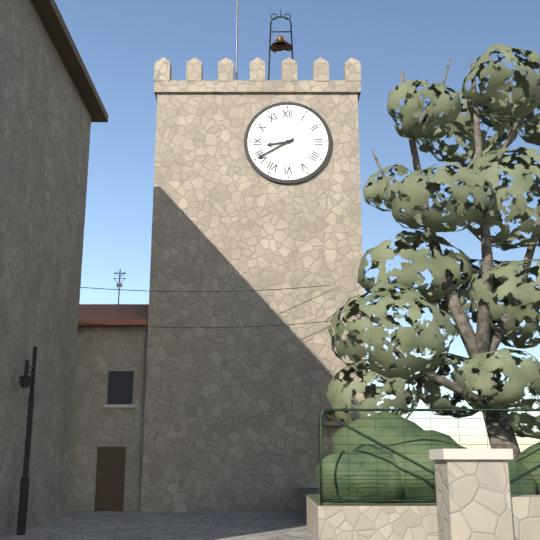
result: 8.40
